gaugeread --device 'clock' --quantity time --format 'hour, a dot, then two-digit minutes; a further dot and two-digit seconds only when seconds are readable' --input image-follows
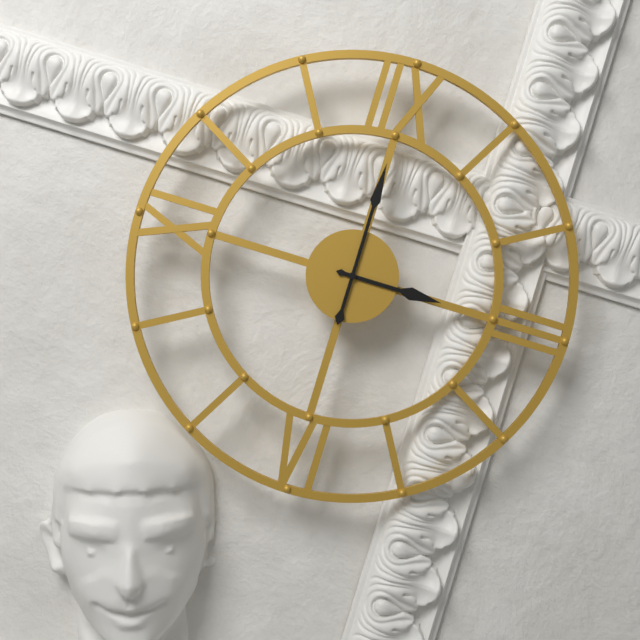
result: 3.00
